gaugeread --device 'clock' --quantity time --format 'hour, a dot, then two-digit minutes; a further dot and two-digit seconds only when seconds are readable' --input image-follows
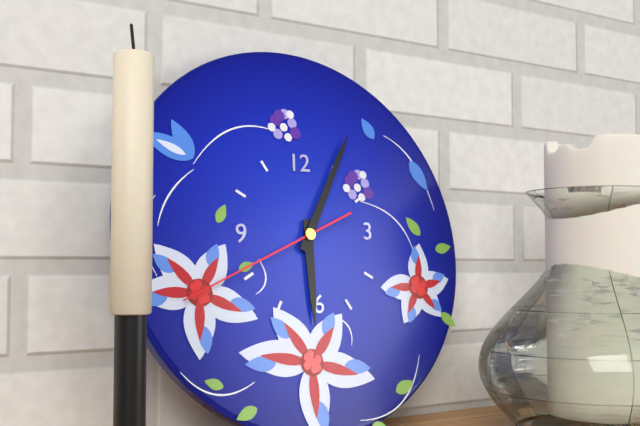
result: 6.05.41
